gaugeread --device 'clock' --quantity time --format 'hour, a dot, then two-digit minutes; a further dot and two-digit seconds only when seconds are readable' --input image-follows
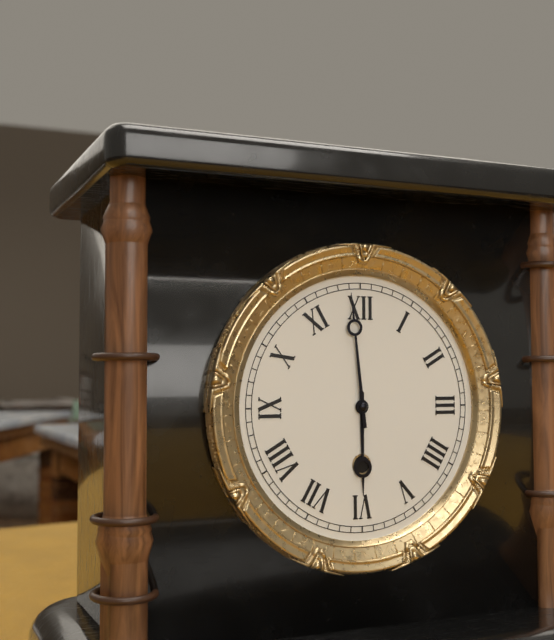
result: 5.59
